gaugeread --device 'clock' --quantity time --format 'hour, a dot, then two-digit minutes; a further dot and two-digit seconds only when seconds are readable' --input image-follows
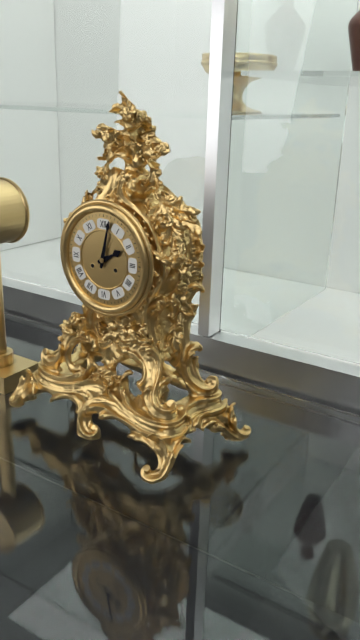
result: 2.02
